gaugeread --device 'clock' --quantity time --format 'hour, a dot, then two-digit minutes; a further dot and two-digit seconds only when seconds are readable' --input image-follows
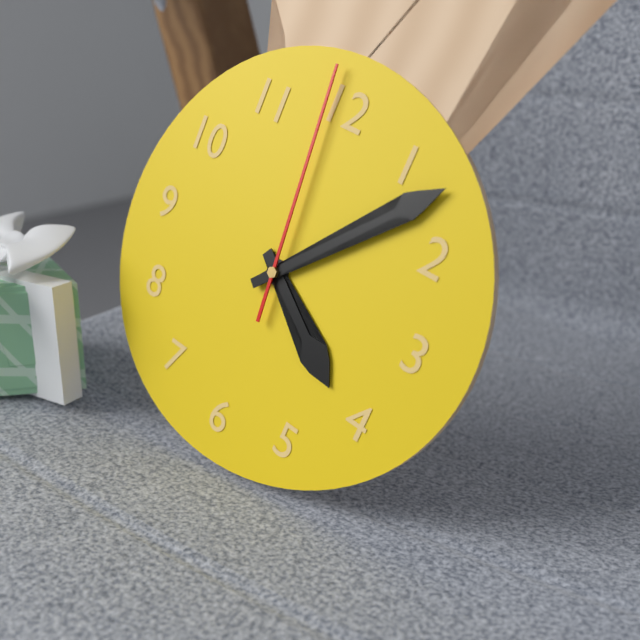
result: 4.07.59
